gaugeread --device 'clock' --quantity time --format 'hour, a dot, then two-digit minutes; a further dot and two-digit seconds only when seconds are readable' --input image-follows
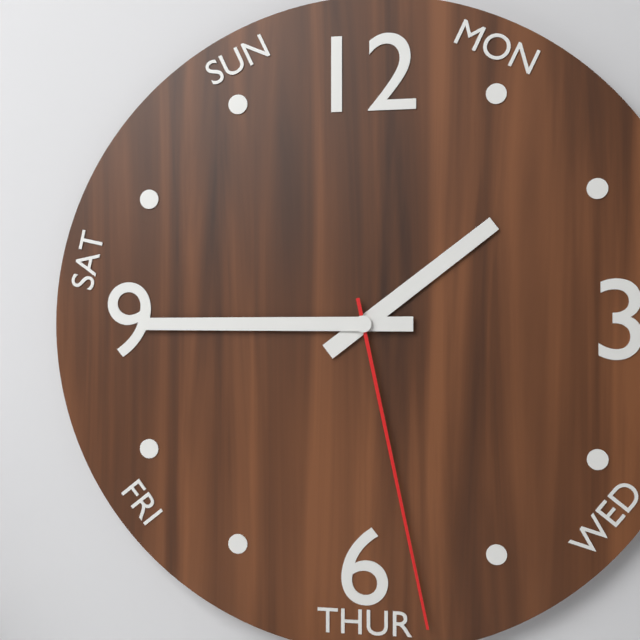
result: 1.45.28
